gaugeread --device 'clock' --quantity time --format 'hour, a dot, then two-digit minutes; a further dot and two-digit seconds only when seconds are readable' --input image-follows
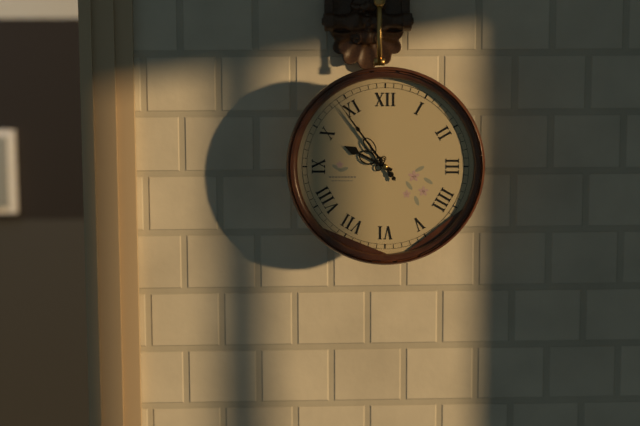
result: 9.54.54
